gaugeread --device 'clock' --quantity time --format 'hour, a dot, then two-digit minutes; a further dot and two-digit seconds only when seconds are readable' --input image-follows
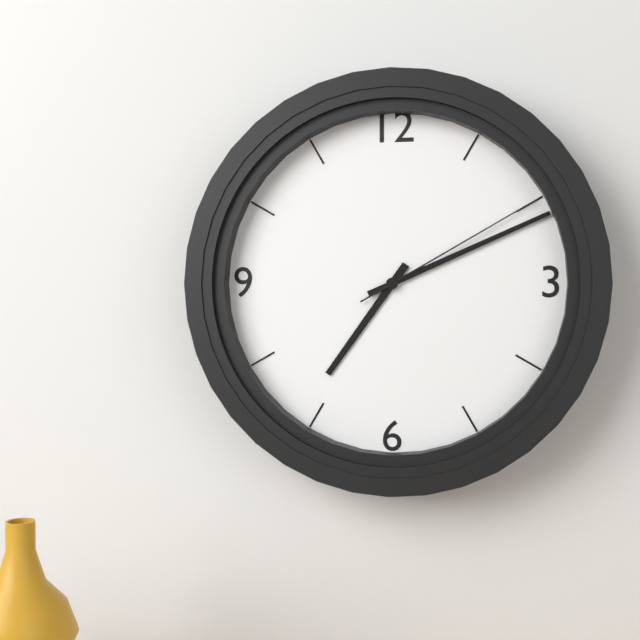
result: 7.11.10
